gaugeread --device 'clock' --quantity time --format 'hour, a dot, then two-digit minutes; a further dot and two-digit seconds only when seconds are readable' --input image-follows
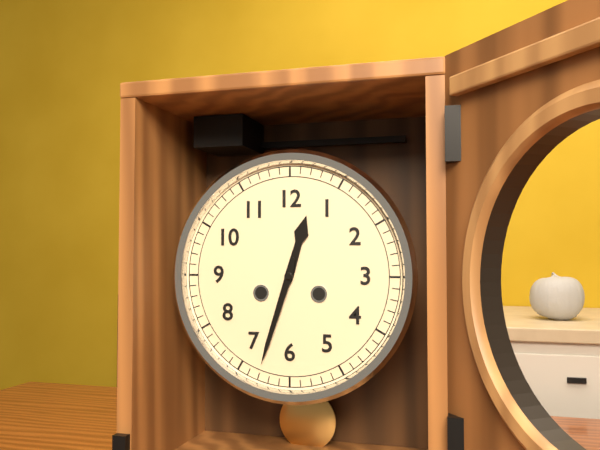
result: 12.33
